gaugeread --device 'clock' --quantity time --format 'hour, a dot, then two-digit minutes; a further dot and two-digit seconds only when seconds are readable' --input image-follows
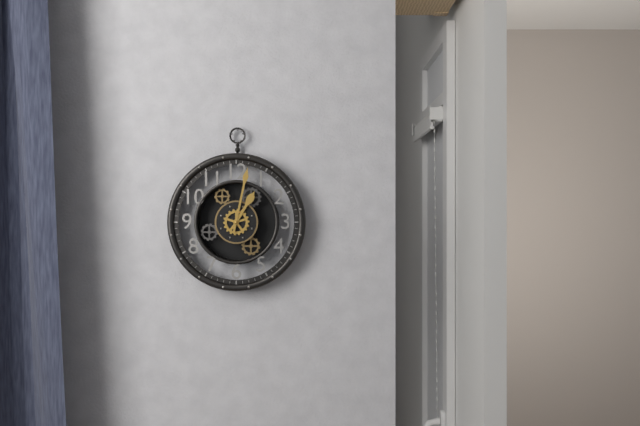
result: 1.02
